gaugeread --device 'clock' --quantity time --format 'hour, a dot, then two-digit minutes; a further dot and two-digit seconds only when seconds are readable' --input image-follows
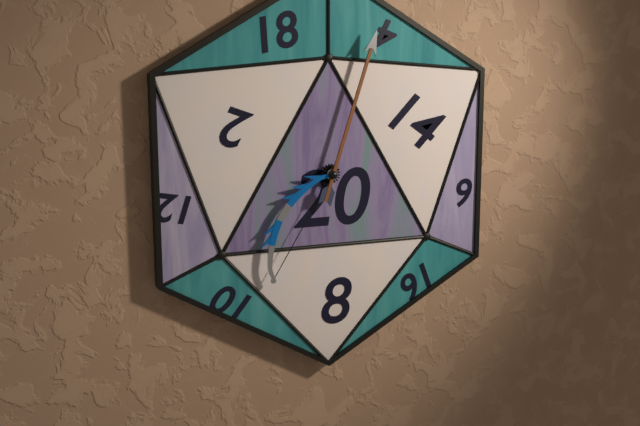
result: 7.03
